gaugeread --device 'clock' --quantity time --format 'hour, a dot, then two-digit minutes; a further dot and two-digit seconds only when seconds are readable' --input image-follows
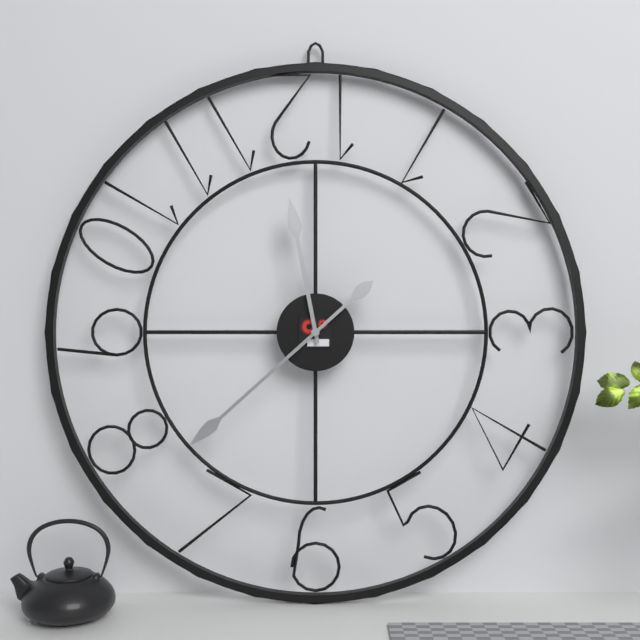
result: 11.38
